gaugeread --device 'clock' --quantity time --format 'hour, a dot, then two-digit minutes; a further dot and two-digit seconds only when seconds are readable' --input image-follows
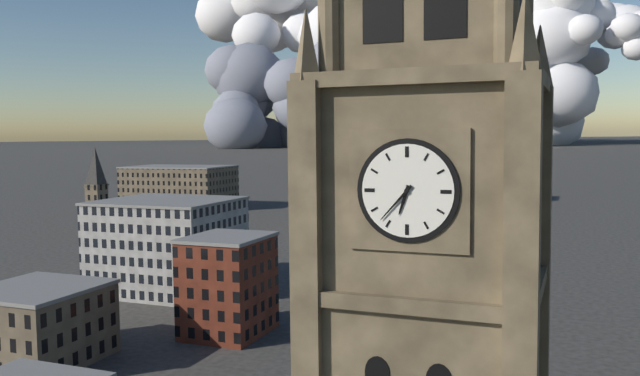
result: 6.37
